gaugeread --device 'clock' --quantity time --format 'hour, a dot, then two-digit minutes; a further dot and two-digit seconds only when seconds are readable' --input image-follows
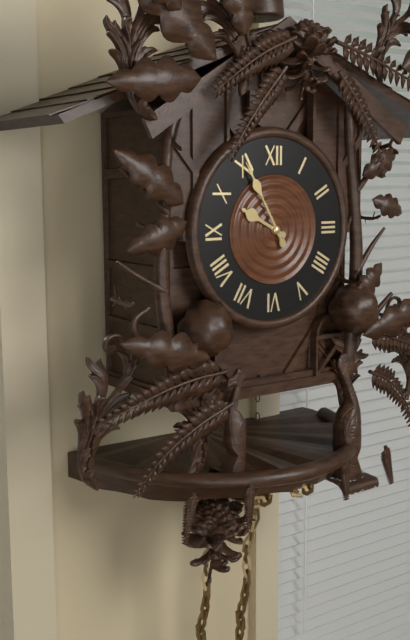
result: 9.55
